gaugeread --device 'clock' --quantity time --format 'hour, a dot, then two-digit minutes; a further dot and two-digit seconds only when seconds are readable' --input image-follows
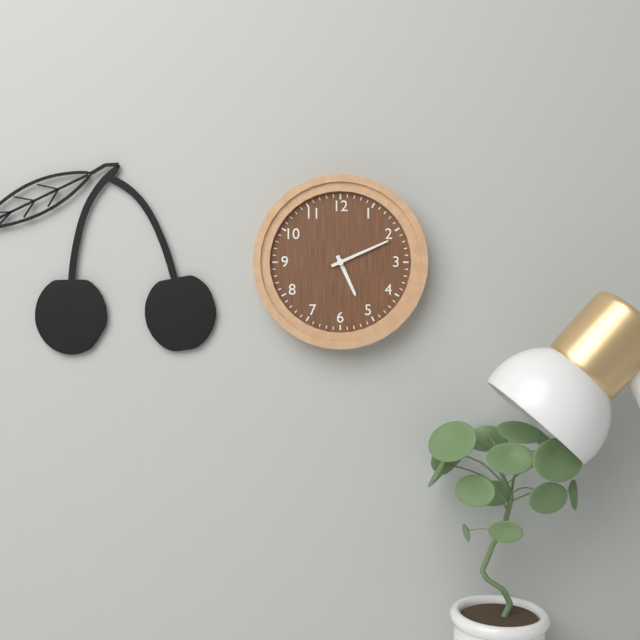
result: 5.11
